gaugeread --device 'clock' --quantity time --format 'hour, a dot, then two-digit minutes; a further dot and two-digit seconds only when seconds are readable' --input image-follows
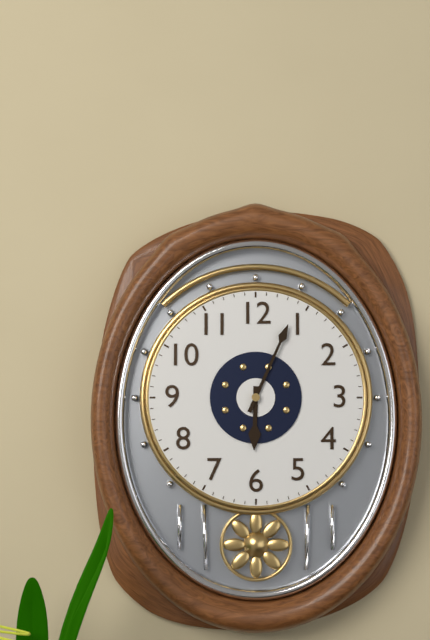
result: 6.04
